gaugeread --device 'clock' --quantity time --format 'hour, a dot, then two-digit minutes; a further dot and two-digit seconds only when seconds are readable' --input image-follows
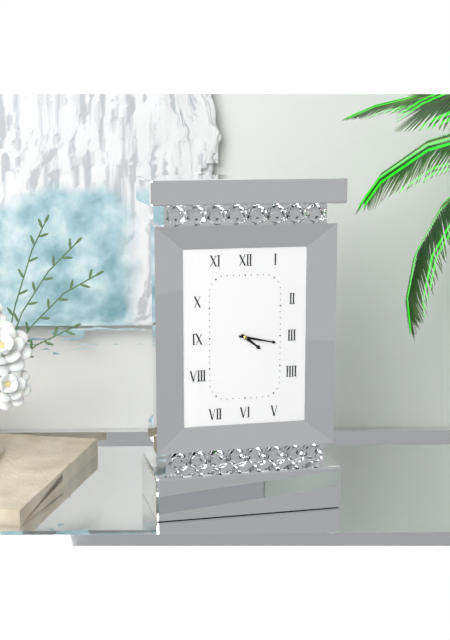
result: 4.17
